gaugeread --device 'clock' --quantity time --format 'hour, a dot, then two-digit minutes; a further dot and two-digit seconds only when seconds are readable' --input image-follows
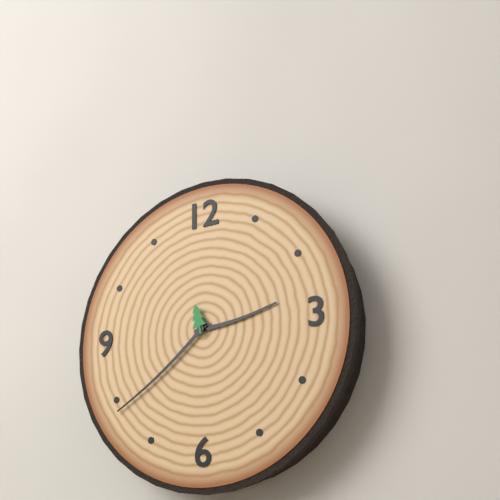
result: 2.39
